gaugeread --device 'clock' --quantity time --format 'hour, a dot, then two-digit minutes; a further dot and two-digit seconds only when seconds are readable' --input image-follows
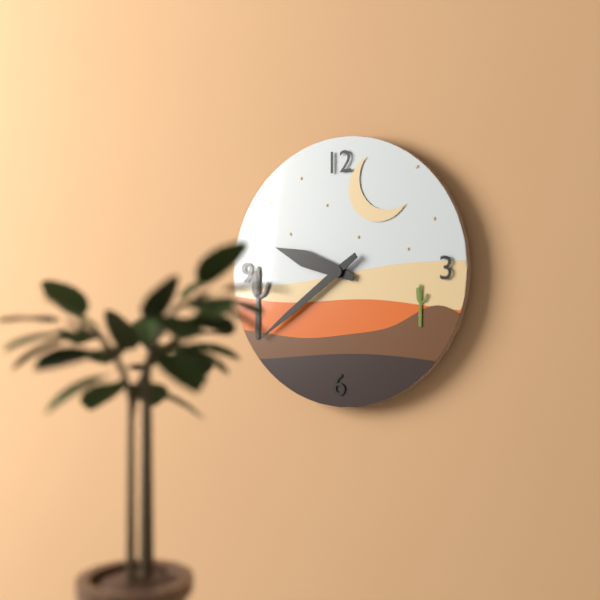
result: 9.39
